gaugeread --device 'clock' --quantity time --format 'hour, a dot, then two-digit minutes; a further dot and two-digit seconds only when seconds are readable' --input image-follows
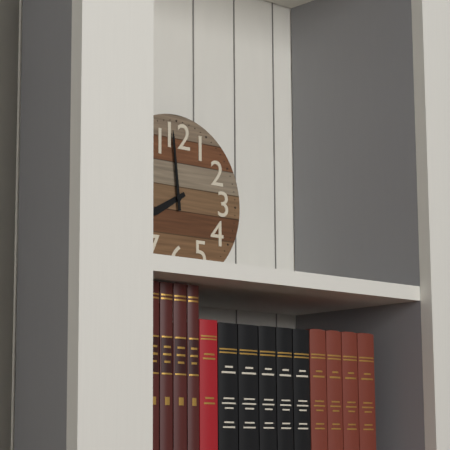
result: 7.59
